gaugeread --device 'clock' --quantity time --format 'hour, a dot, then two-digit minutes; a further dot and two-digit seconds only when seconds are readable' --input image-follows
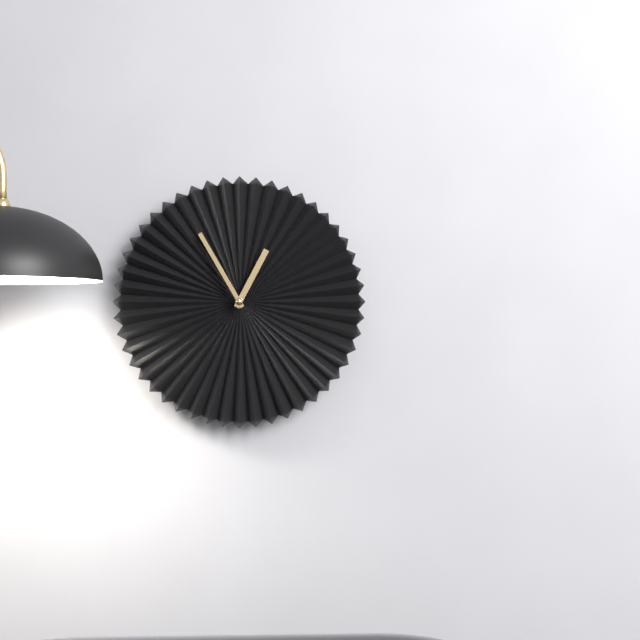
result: 12.55
